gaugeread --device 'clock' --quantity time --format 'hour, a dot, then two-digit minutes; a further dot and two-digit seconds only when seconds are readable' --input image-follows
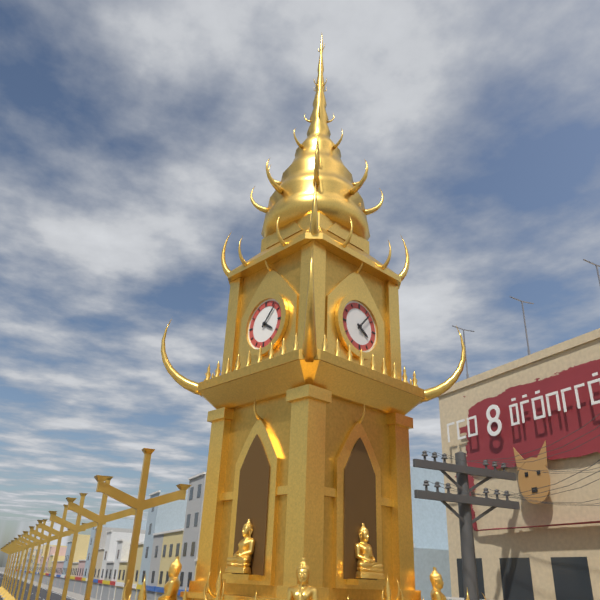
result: 4.07
